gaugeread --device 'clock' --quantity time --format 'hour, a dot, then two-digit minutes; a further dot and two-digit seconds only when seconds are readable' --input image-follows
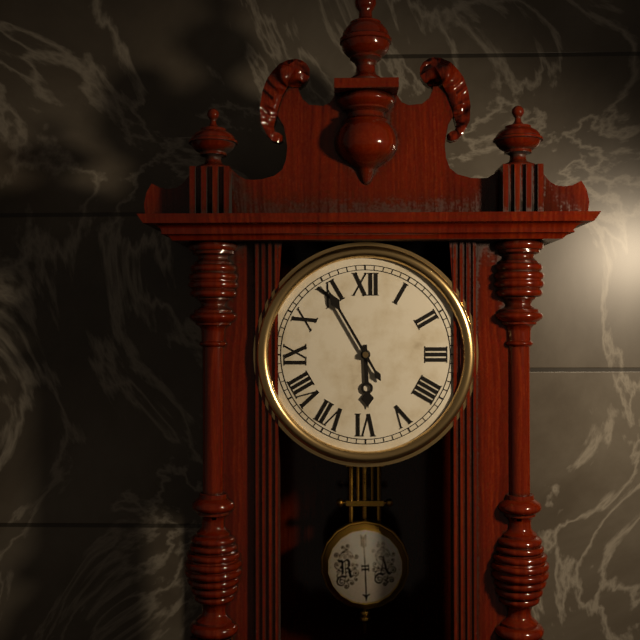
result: 5.55
